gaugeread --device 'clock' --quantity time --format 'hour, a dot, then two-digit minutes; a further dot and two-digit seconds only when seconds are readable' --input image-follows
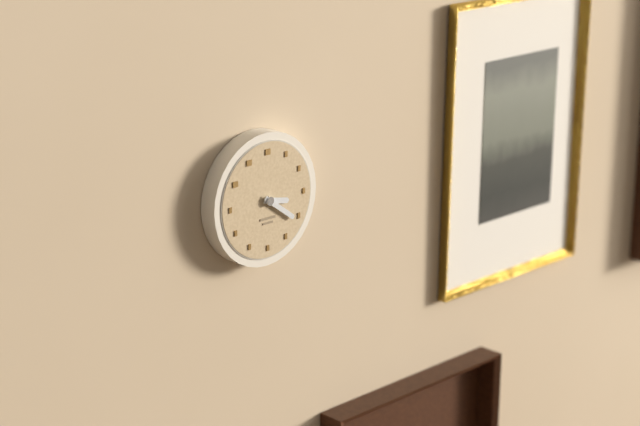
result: 3.21
